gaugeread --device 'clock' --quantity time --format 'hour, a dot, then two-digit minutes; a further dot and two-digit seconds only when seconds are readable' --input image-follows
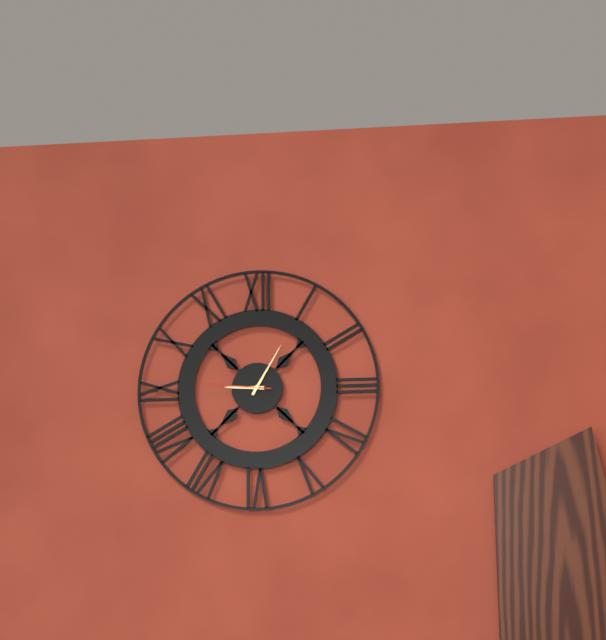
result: 9.05.46
